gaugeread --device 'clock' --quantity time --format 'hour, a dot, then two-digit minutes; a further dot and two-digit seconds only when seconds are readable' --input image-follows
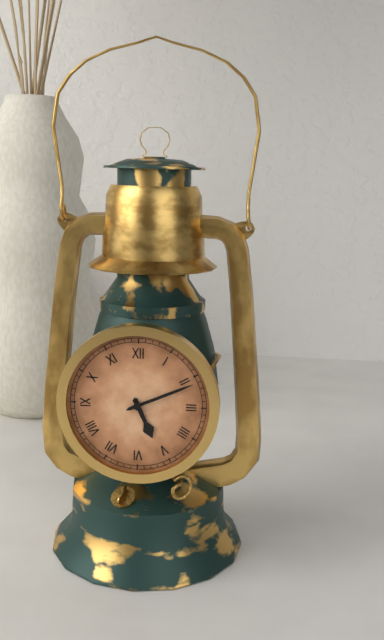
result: 5.11
